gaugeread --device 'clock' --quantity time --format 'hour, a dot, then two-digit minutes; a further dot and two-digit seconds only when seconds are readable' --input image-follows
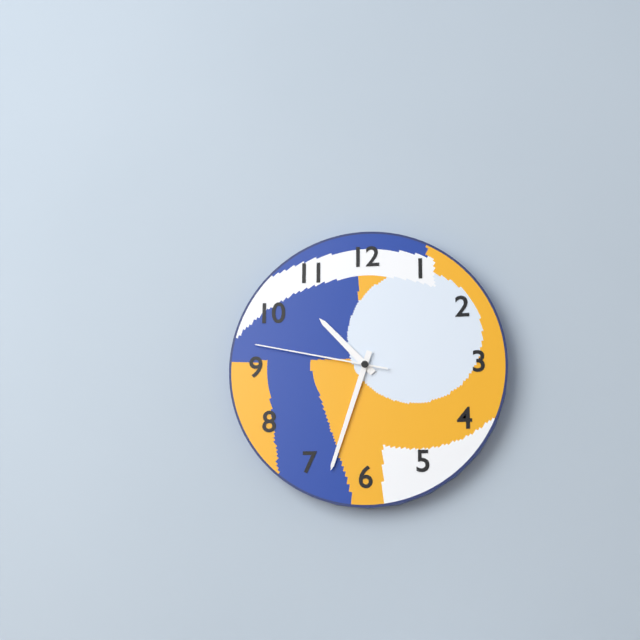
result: 10.33.47
